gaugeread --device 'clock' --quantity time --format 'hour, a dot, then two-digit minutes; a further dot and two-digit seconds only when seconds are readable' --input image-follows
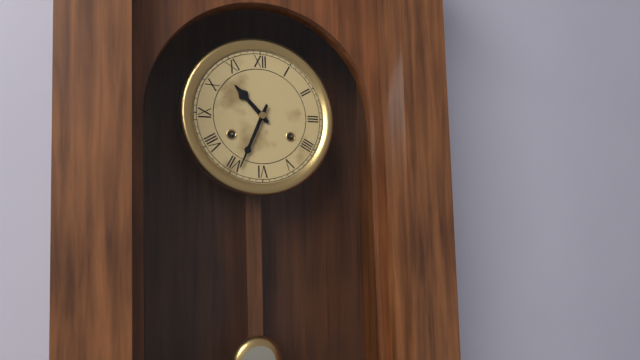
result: 10.34
